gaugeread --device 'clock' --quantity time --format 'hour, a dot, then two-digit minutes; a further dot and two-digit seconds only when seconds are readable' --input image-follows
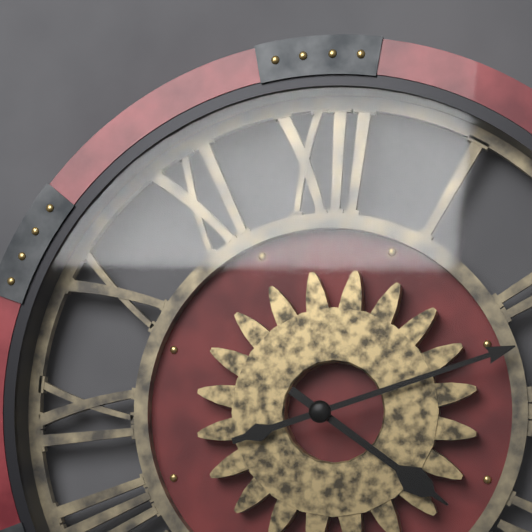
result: 4.12
